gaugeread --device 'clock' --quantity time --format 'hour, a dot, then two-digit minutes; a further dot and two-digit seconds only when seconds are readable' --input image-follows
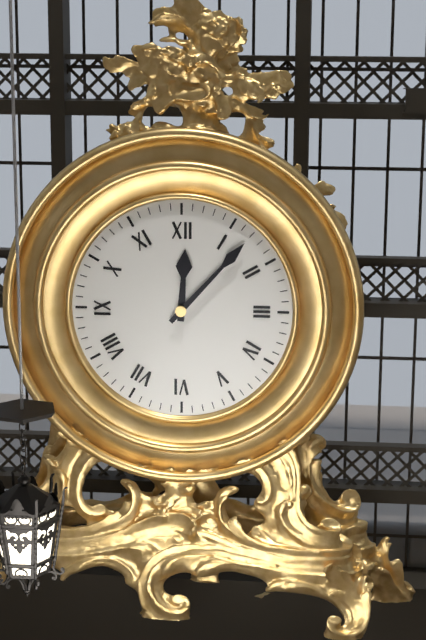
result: 12.07
